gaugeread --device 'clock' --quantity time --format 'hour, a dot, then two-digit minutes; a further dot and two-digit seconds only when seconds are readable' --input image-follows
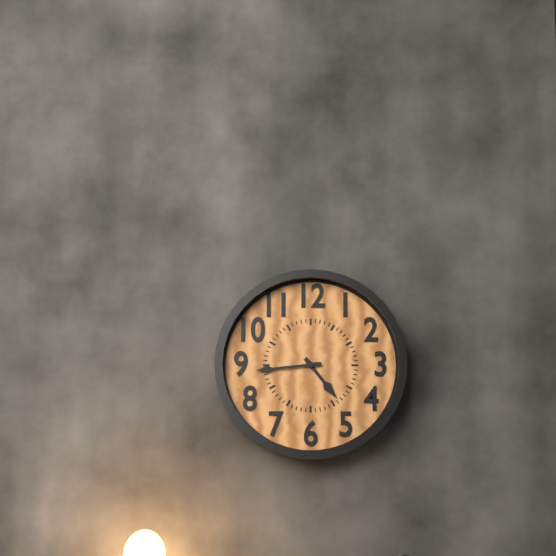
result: 4.44
